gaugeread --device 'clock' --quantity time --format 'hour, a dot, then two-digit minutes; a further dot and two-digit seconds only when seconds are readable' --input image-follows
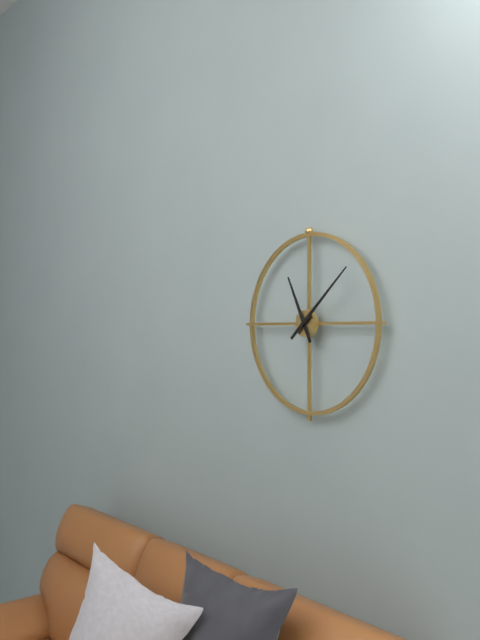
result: 11.08
